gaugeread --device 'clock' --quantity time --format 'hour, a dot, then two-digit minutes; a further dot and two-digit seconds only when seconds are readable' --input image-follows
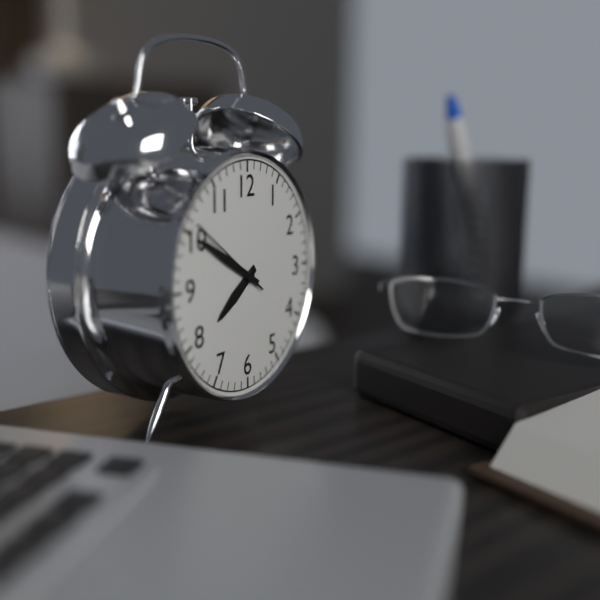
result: 7.50.51
